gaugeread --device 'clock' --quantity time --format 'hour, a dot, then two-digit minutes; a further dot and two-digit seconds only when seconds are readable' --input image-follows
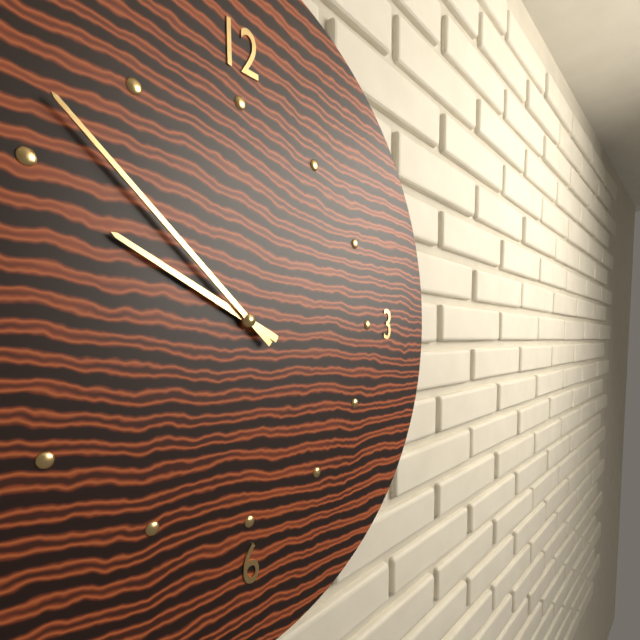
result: 9.52
